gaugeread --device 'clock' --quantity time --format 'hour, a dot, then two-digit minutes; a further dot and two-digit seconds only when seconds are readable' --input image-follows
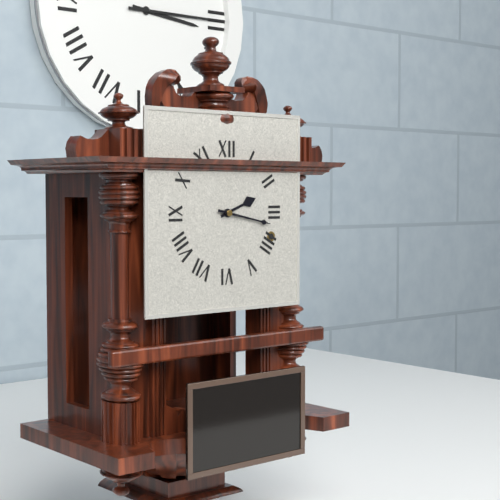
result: 2.17
